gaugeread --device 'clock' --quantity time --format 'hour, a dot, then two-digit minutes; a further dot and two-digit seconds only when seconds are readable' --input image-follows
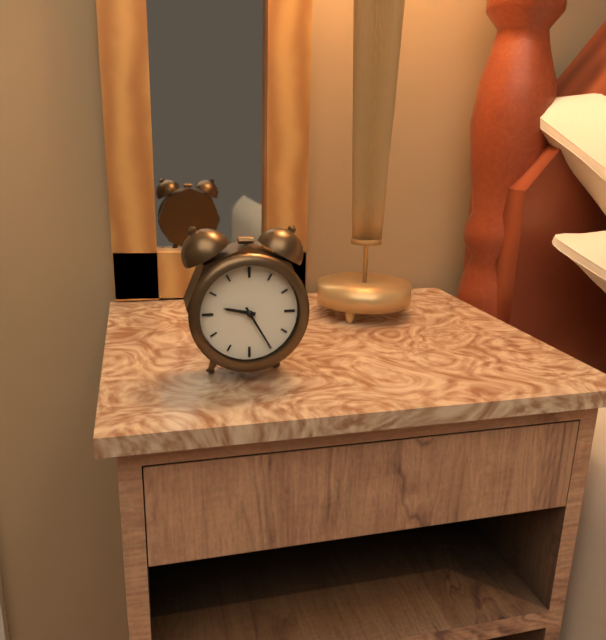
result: 9.25
